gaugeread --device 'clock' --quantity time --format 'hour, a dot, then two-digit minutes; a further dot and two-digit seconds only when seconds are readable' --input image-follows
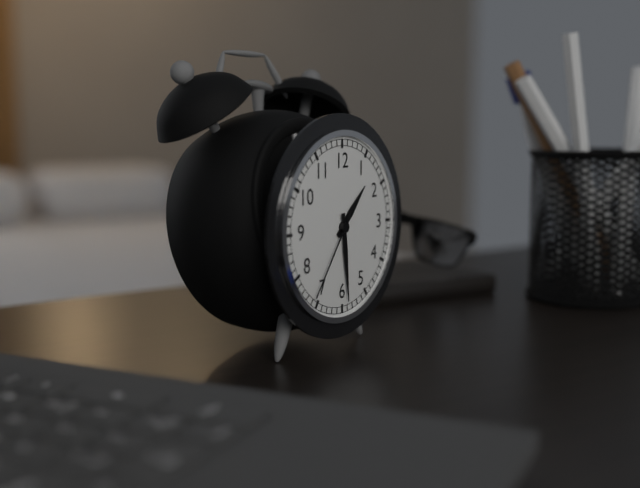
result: 1.29.36
